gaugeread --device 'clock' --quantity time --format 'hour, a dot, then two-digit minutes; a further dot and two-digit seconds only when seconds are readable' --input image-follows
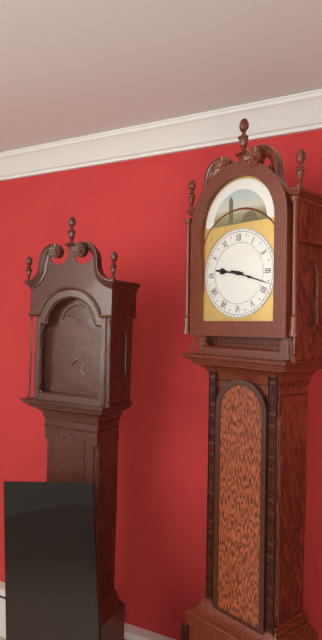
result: 9.18
